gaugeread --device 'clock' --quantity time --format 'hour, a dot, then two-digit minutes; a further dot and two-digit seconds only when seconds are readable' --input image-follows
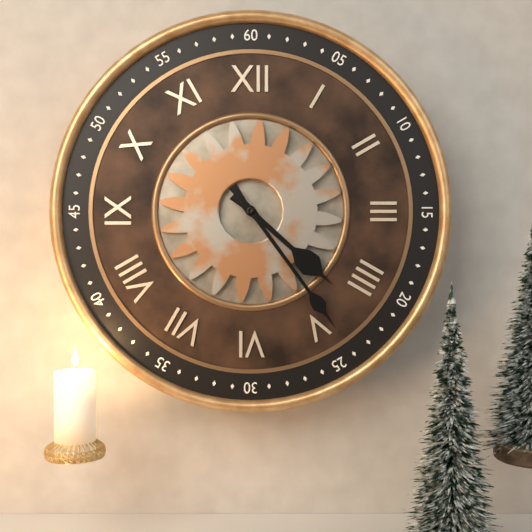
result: 4.24
